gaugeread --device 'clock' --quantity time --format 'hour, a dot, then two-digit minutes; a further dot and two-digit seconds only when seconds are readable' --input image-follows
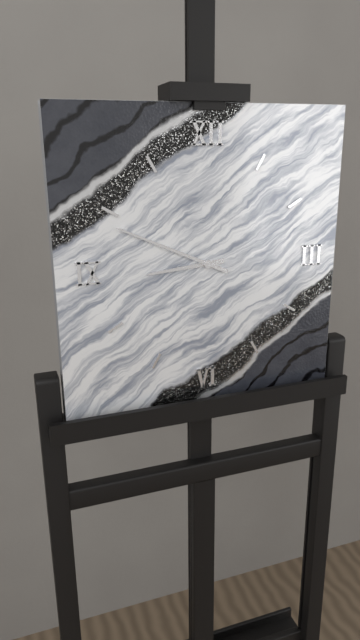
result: 8.49
